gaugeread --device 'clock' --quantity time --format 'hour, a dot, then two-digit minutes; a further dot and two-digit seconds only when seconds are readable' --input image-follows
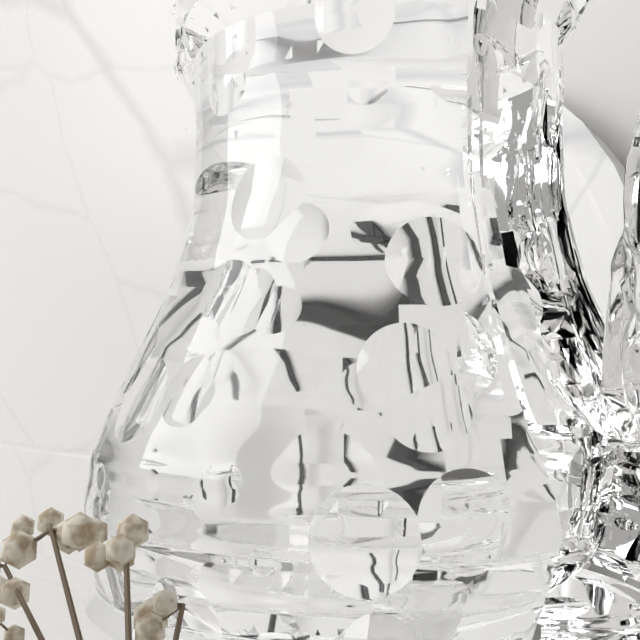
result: 5.20.29
